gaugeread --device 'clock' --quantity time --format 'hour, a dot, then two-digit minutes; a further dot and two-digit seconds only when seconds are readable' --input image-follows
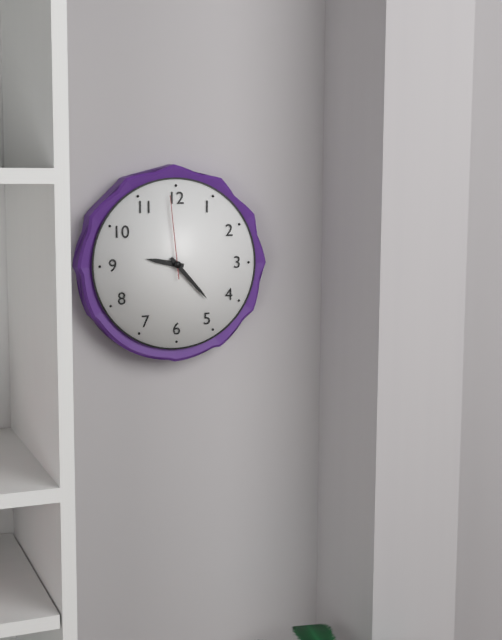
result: 9.23.59
